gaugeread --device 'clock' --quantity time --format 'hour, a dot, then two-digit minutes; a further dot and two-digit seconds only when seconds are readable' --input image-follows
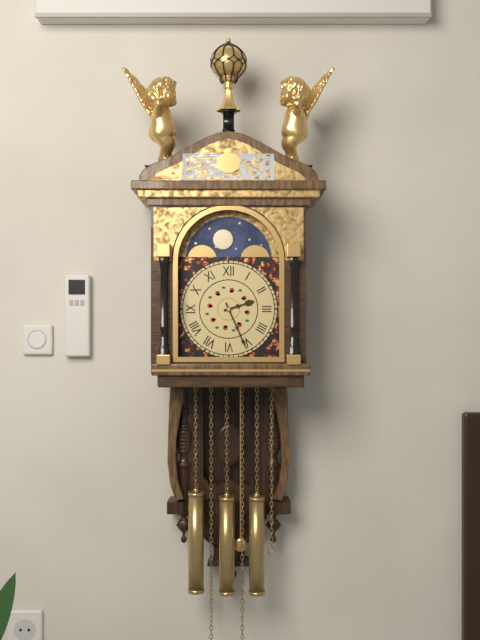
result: 2.26
